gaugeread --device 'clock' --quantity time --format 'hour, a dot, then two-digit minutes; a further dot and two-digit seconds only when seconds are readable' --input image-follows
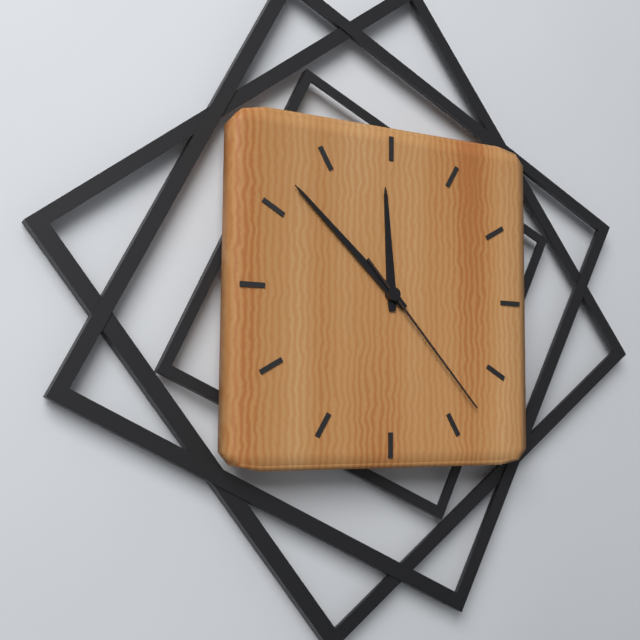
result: 11.52.23
